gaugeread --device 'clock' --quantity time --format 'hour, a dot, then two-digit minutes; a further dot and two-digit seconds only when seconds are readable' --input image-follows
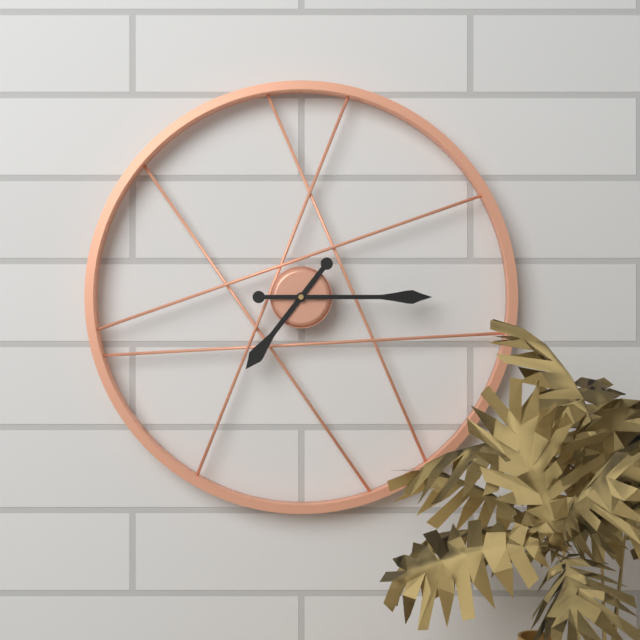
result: 7.15
